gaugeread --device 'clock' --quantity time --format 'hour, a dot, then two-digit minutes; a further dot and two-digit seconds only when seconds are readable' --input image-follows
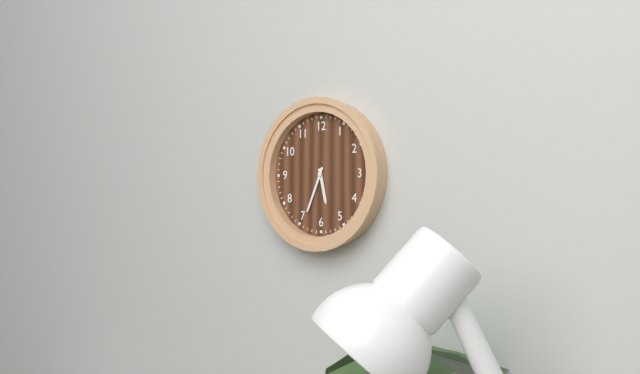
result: 5.34
